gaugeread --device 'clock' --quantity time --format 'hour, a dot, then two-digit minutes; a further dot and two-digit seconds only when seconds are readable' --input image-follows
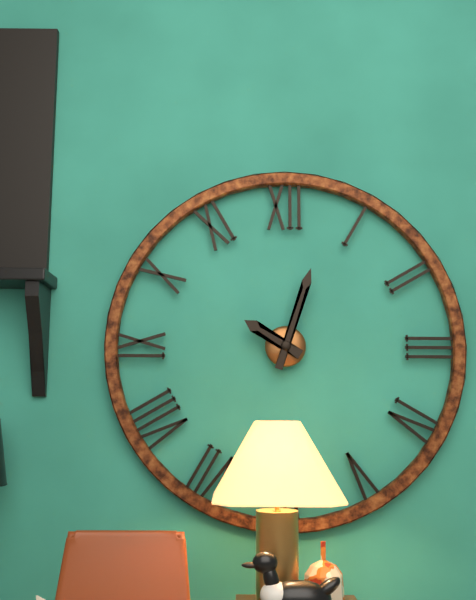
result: 10.03
